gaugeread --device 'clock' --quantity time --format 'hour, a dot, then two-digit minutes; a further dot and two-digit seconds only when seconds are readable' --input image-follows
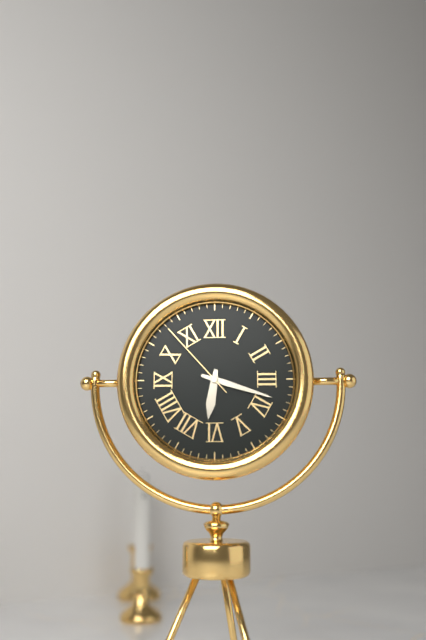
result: 6.18.53
